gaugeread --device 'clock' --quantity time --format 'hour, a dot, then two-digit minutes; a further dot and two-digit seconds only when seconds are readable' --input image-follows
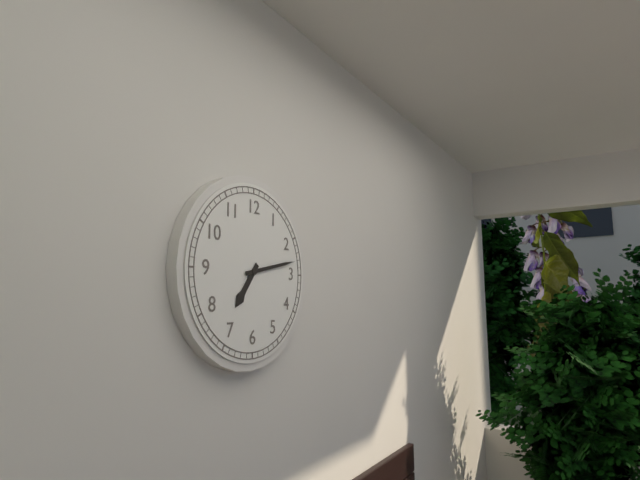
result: 7.13
